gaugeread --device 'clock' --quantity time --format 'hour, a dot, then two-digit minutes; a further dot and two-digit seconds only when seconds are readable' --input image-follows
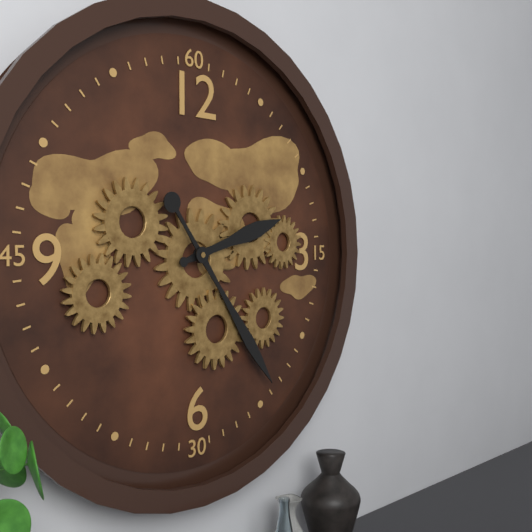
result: 2.24
